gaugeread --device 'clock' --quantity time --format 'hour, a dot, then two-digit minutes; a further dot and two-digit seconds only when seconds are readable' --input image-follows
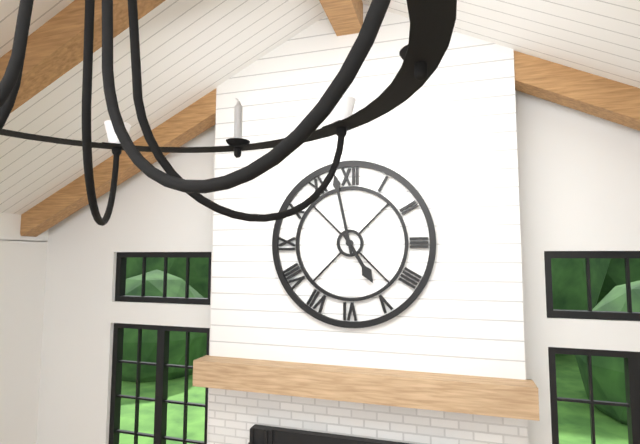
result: 4.58
